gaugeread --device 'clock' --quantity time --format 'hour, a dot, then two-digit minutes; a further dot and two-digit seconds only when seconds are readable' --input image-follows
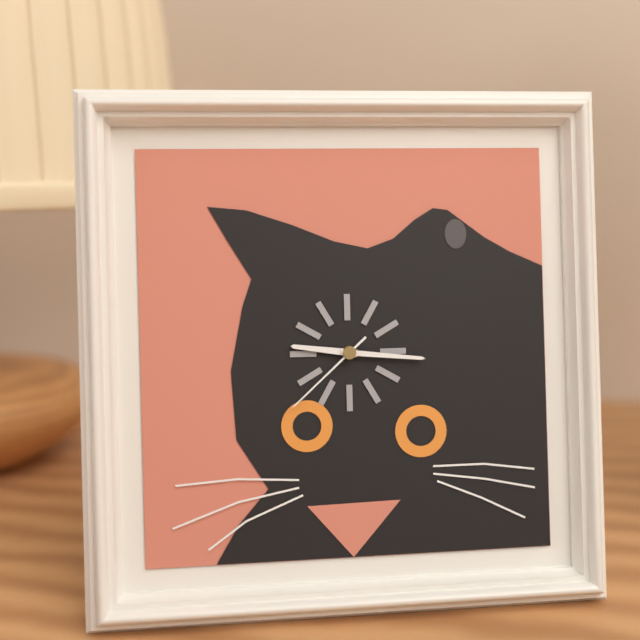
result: 9.16.38
